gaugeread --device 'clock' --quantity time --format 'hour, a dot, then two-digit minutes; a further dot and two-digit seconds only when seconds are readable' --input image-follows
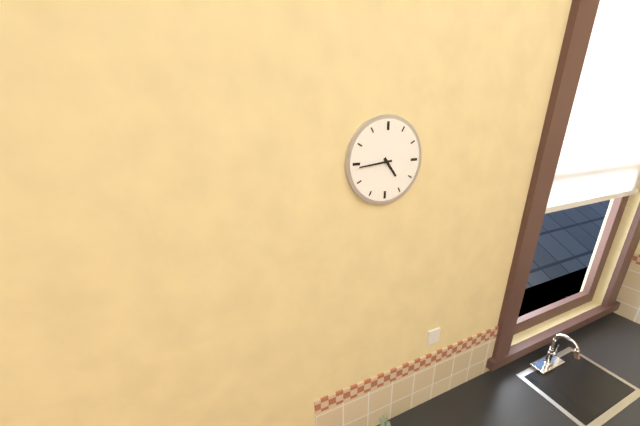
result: 4.44
